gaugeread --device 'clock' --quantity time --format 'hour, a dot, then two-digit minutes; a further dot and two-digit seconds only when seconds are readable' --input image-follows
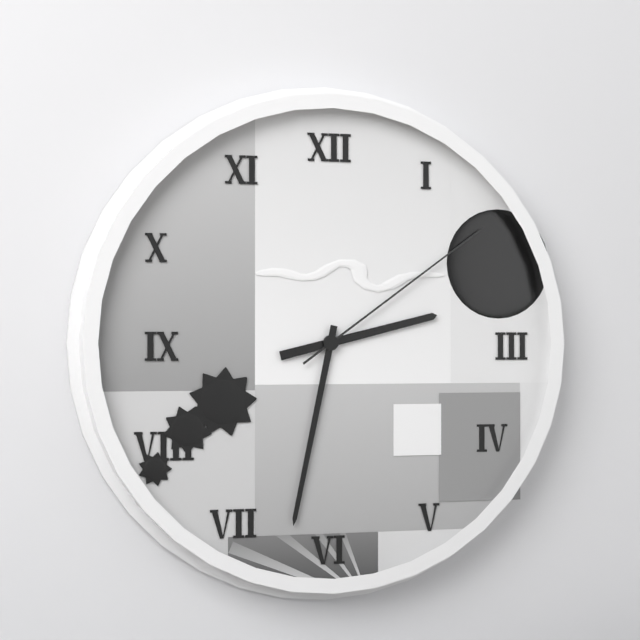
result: 2.32.09
